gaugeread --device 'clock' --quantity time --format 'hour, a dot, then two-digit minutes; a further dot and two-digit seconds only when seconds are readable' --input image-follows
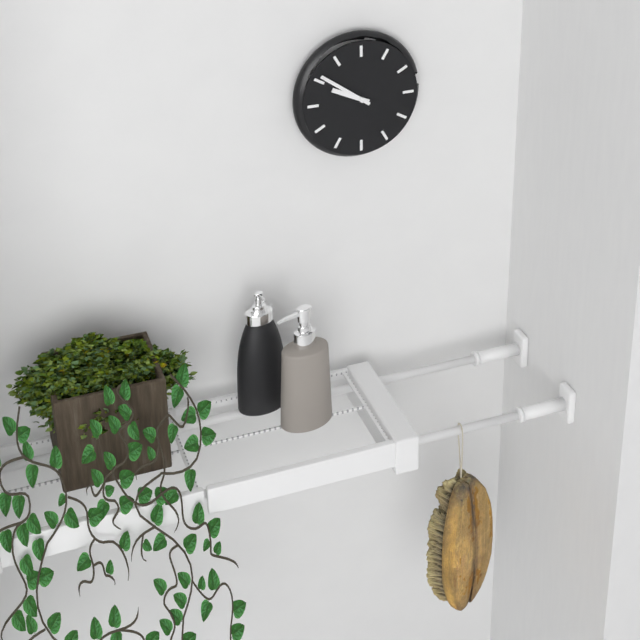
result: 9.51
